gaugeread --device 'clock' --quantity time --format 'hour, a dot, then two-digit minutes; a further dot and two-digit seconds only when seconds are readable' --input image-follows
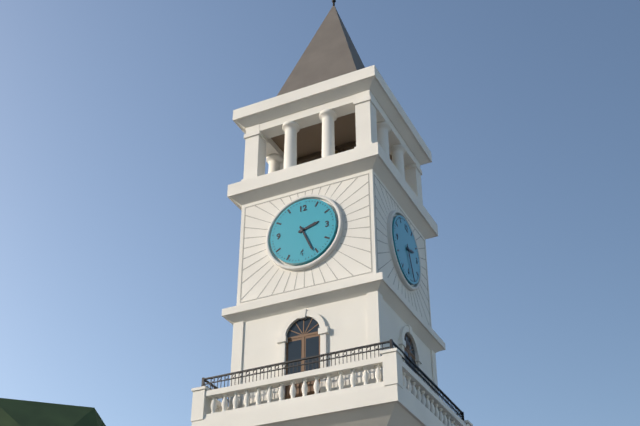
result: 2.26
